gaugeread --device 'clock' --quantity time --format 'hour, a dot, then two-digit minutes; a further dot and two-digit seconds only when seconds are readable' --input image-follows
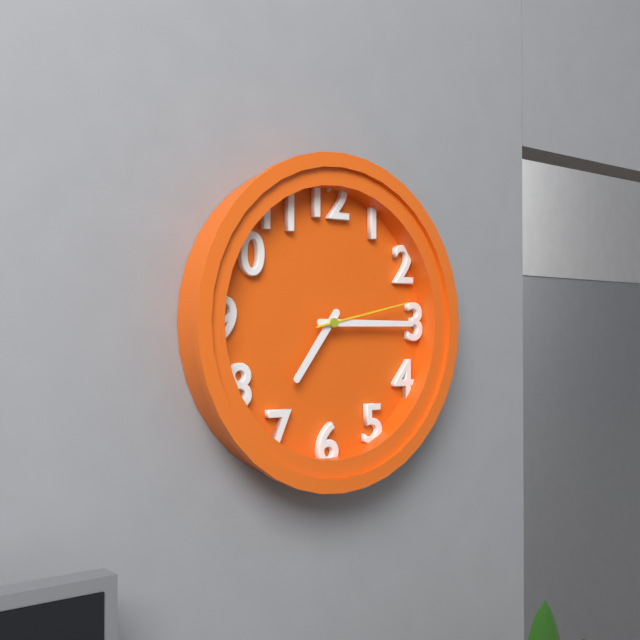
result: 7.15.13
